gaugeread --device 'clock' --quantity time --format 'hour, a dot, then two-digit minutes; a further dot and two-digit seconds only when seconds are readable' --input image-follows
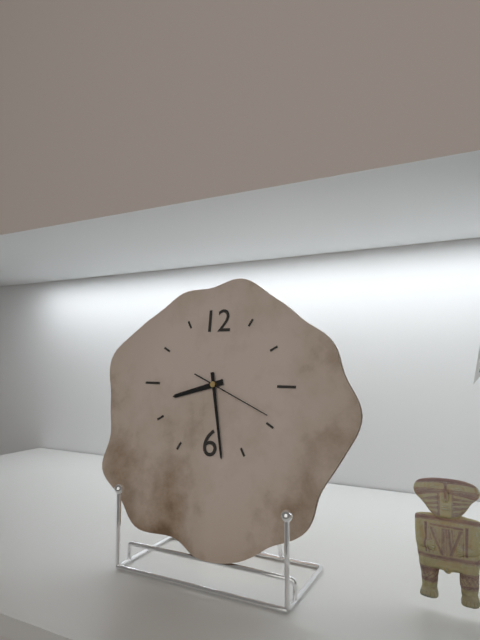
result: 8.28.19
